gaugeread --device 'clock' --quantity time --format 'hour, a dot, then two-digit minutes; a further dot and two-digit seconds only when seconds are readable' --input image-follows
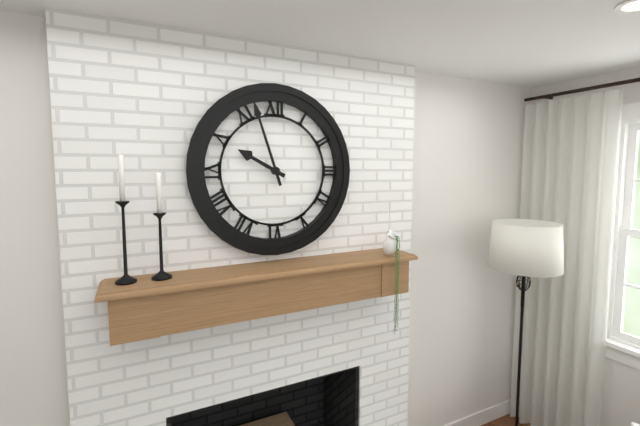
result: 9.57
